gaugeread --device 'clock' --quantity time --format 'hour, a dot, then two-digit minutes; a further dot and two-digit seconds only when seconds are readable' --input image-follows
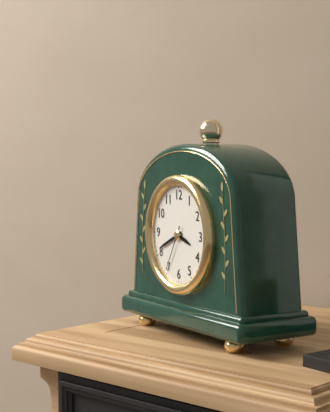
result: 3.41.35
